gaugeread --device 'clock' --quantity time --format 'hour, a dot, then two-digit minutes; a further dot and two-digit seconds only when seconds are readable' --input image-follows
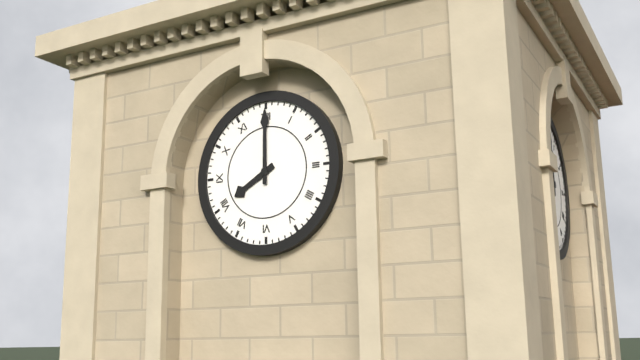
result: 8.00
